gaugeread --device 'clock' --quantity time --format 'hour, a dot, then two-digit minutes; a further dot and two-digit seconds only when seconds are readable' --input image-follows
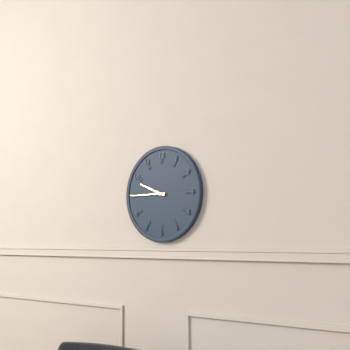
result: 9.45
